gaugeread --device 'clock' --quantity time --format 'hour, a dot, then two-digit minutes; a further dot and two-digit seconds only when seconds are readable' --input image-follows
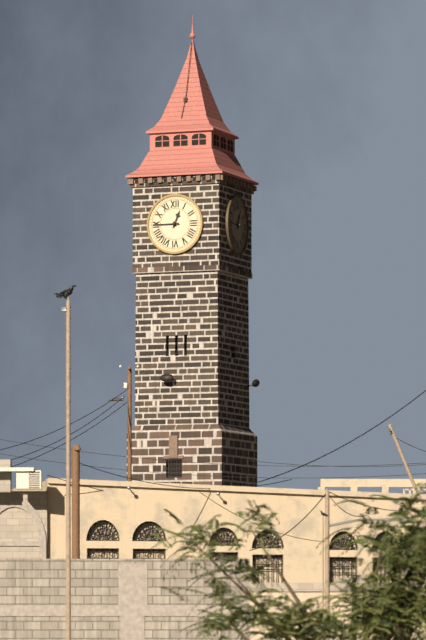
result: 12.45
